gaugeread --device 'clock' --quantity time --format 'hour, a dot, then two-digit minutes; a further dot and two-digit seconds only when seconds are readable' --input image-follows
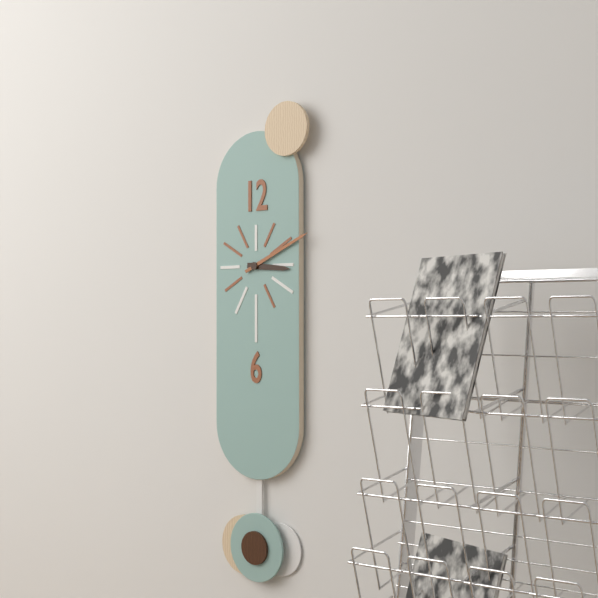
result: 3.11
